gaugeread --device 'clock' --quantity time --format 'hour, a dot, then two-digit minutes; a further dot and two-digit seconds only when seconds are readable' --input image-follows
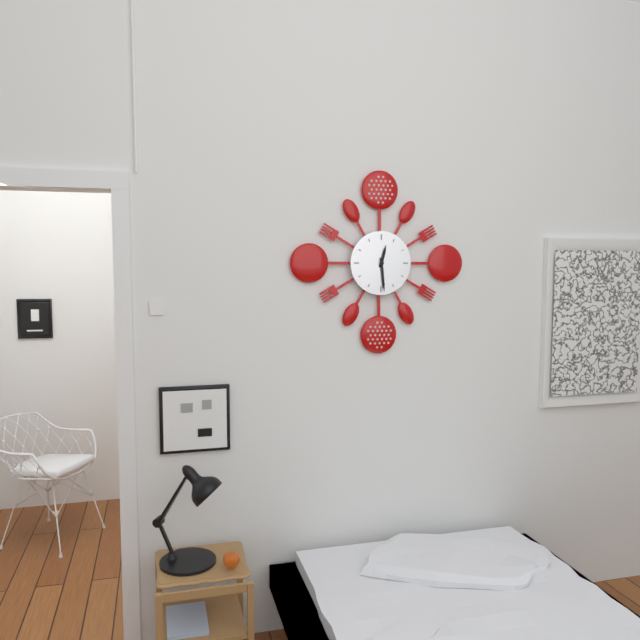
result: 12.29
